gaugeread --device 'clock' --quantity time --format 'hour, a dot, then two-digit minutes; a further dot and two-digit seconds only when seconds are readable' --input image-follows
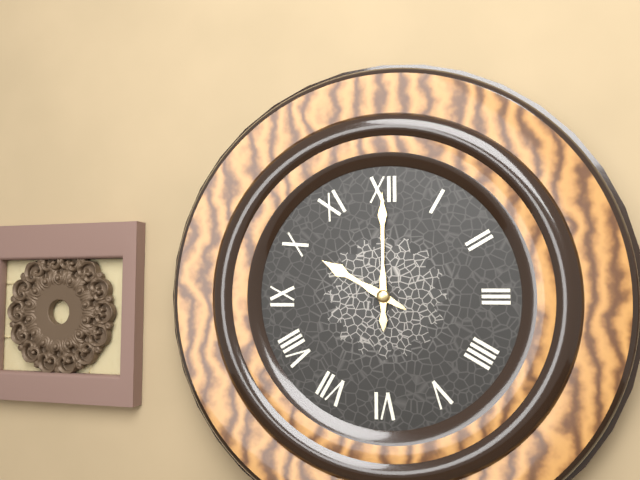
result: 10.00
